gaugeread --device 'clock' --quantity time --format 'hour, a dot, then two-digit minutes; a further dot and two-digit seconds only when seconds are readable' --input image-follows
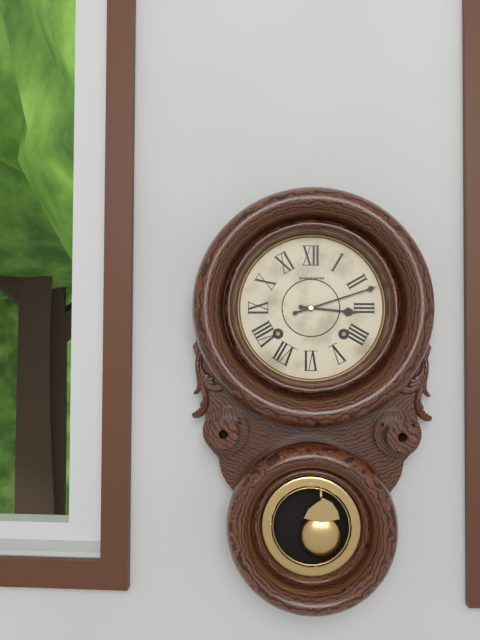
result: 3.12
